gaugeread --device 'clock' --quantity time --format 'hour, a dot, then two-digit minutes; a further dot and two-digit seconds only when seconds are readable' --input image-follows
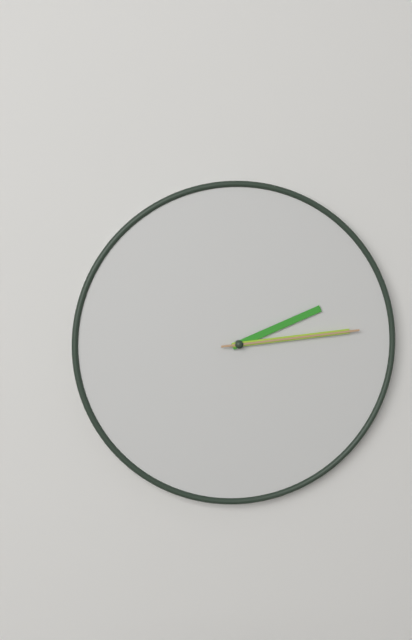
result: 2.14.14
